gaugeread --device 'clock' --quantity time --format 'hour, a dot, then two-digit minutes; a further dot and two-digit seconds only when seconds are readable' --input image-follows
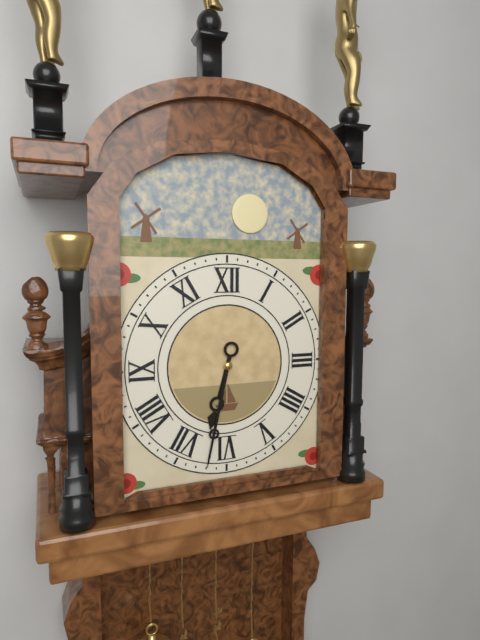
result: 6.32
